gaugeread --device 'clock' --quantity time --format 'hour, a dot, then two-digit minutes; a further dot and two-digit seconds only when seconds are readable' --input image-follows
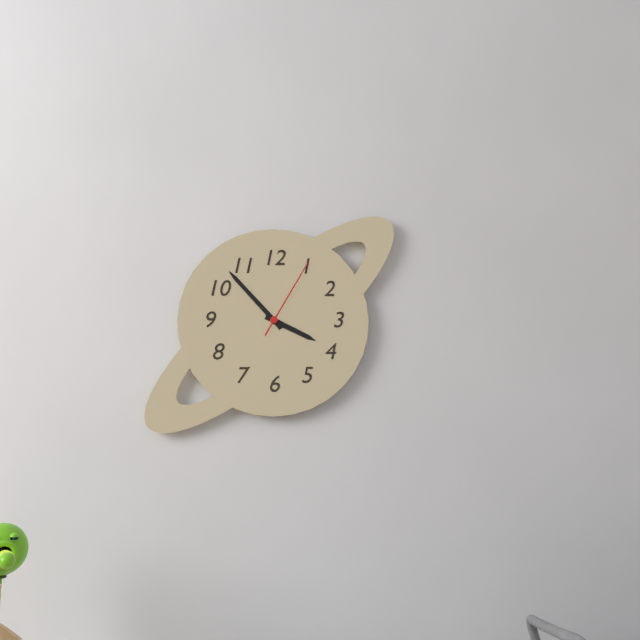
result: 3.53.05
